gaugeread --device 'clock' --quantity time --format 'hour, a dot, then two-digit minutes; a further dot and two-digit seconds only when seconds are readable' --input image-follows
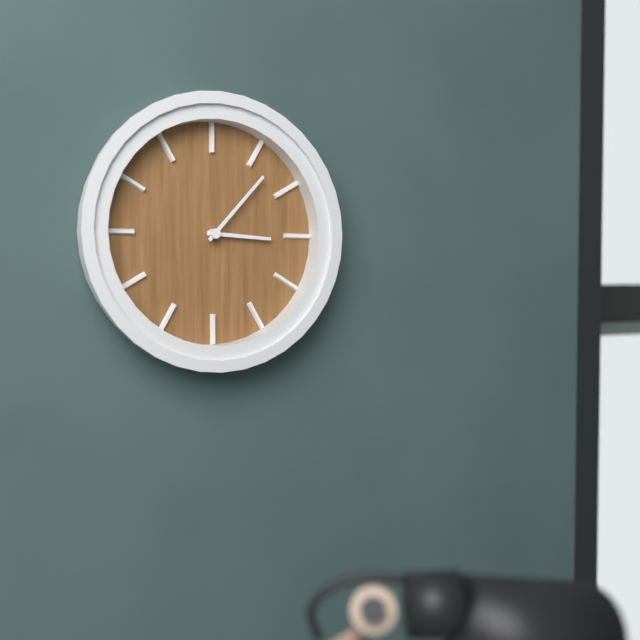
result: 3.07
